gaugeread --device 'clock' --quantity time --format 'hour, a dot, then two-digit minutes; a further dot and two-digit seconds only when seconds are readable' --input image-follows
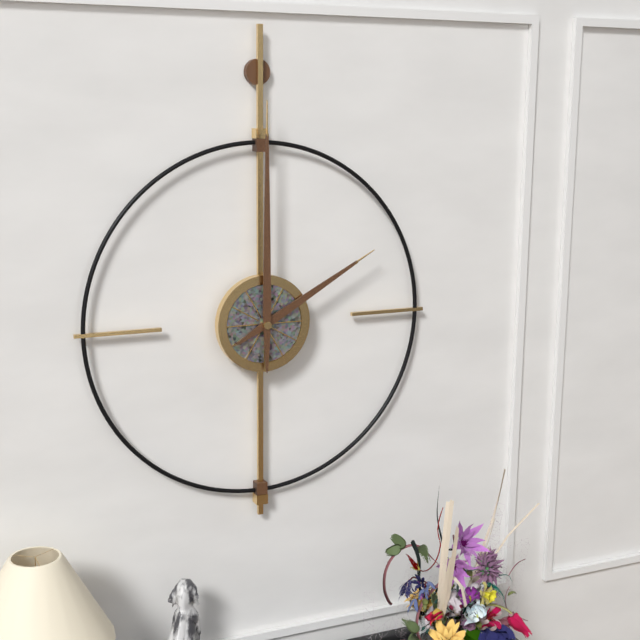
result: 2.00
